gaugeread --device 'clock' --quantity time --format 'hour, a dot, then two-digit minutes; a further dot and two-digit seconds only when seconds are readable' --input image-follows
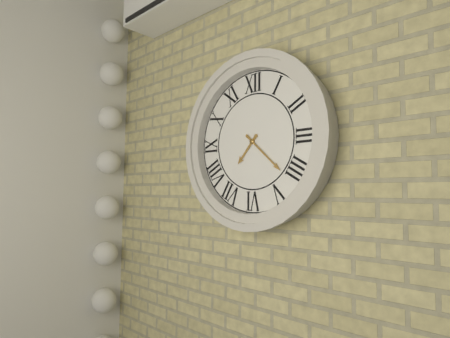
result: 7.22
